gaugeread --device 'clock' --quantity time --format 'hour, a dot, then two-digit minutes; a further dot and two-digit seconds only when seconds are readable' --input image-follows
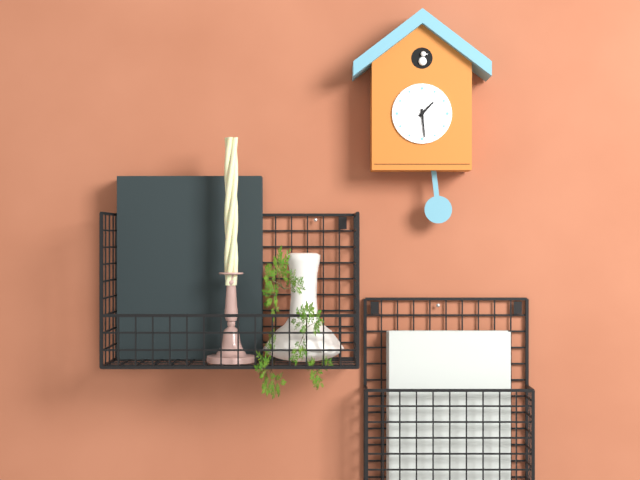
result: 1.29
